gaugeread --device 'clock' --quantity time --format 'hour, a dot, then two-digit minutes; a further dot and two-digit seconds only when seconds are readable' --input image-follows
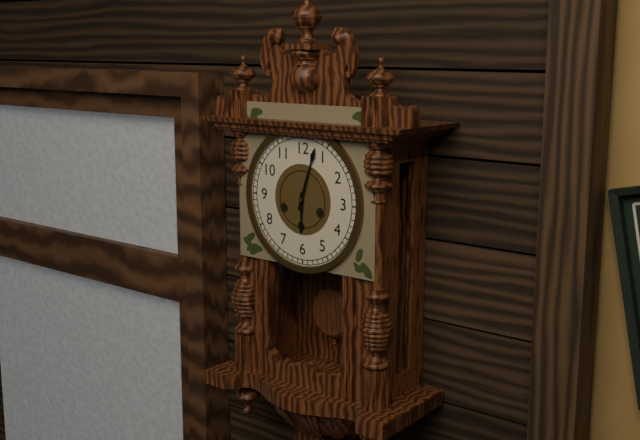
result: 6.03
